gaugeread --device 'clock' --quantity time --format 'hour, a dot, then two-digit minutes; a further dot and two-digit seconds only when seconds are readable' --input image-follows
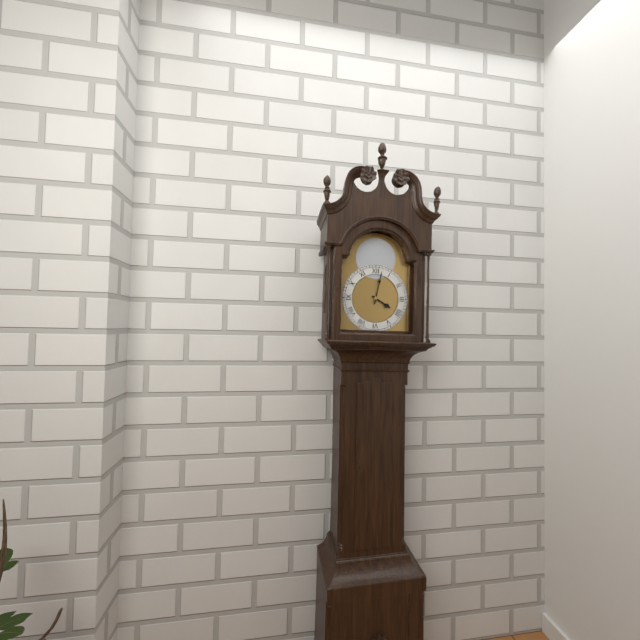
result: 4.02
